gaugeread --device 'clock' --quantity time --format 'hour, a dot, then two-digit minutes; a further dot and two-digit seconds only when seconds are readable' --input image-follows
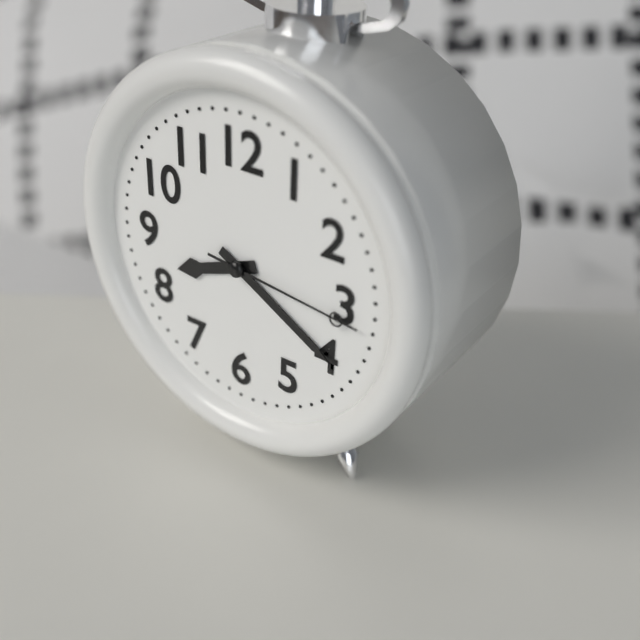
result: 8.20.16
